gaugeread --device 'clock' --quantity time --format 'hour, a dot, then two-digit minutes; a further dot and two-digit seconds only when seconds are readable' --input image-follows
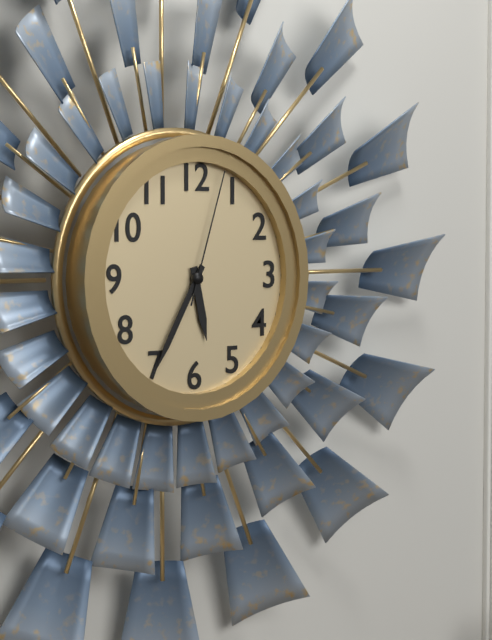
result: 5.35.03
